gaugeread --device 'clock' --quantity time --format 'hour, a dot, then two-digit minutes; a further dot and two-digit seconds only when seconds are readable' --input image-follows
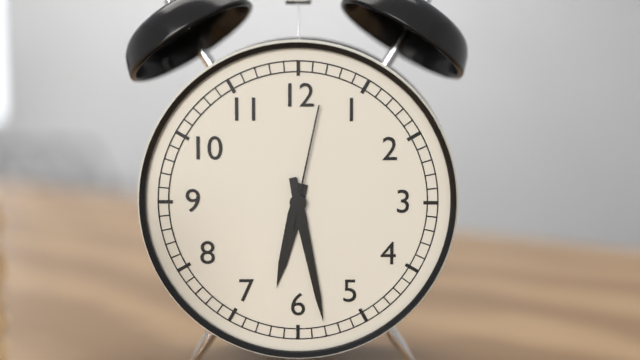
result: 6.28.02
